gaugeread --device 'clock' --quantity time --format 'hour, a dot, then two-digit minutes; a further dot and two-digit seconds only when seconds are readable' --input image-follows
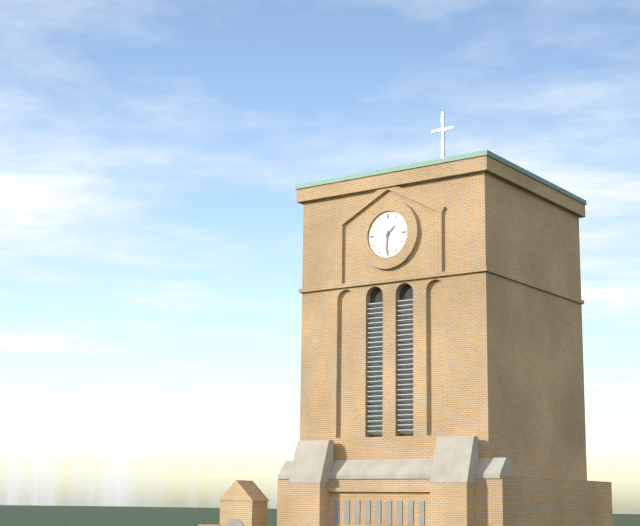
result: 1.31
